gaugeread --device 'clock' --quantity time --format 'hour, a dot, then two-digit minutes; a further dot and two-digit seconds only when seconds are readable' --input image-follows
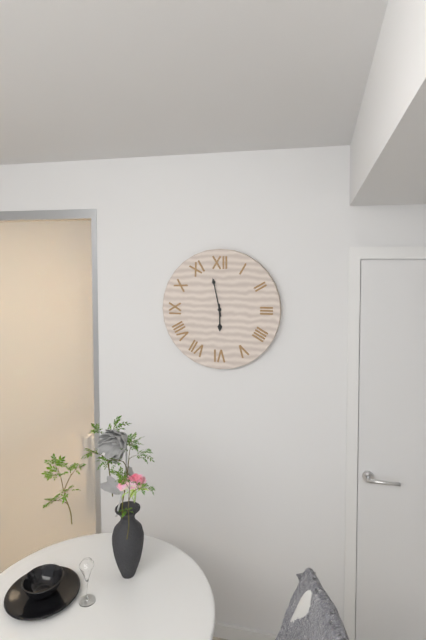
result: 5.58
